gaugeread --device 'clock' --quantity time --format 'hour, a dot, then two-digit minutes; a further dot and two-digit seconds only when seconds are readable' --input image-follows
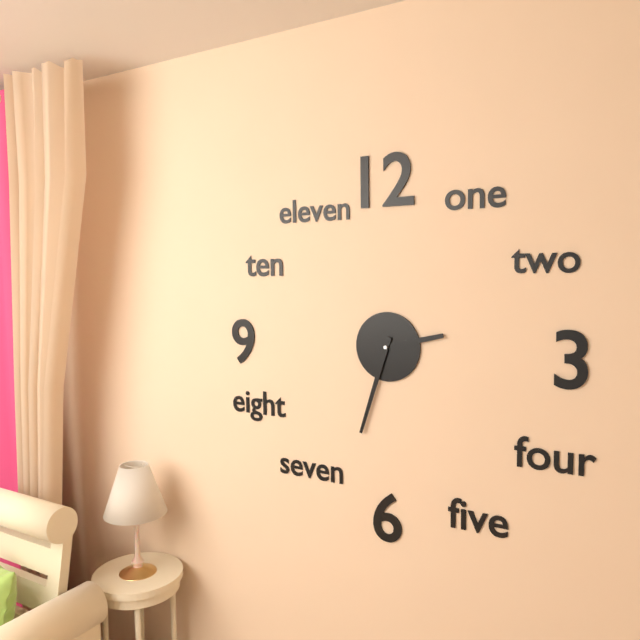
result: 2.33
